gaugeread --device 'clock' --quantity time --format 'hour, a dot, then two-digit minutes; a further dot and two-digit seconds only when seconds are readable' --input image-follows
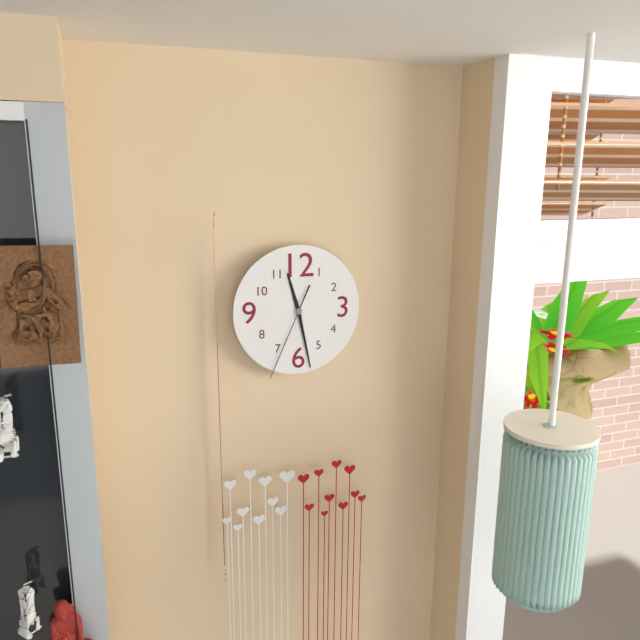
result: 11.28.34
